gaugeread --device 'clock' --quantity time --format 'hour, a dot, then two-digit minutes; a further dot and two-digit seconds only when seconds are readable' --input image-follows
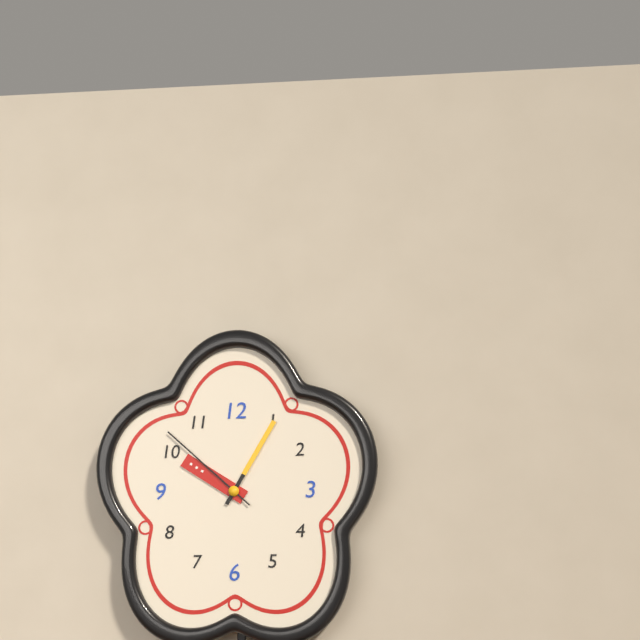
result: 10.05.52
